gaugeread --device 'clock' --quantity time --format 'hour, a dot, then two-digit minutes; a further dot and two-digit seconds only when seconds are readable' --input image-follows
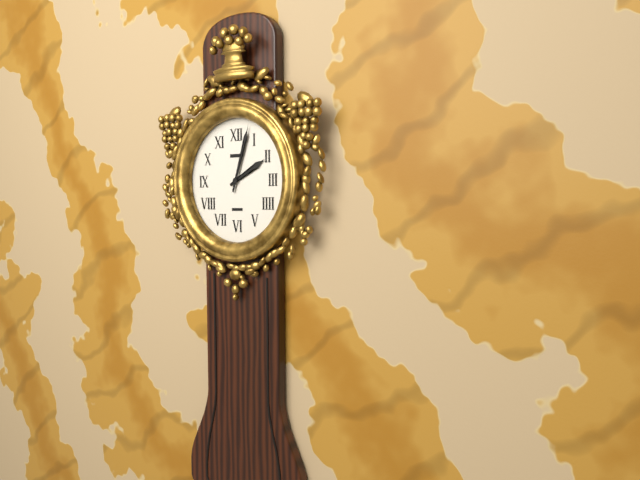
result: 2.03
